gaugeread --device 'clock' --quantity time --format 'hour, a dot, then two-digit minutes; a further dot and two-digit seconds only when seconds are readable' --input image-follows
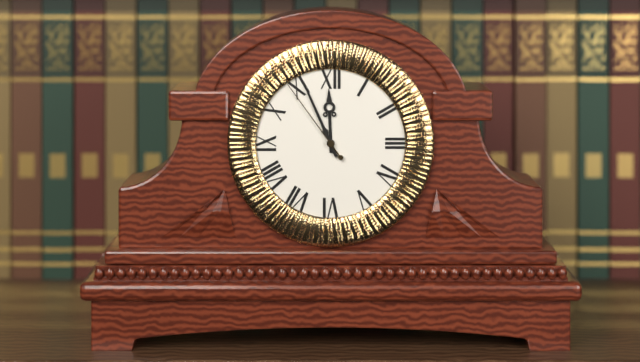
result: 11.56.54
